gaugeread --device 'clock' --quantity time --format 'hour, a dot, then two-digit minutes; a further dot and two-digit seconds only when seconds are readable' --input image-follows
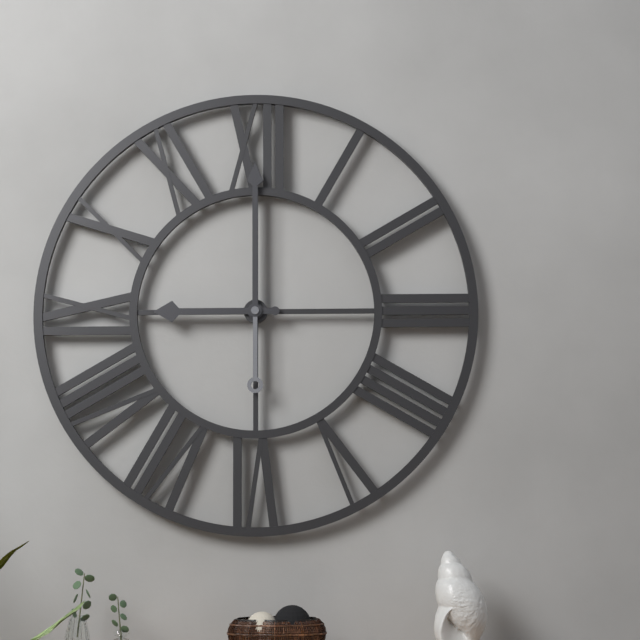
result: 9.00
